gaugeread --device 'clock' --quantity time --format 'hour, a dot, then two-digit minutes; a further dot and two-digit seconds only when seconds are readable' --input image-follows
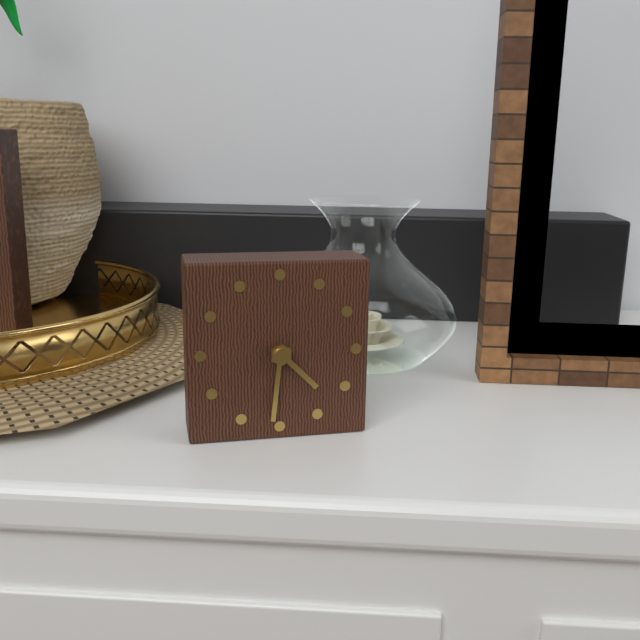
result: 4.31
